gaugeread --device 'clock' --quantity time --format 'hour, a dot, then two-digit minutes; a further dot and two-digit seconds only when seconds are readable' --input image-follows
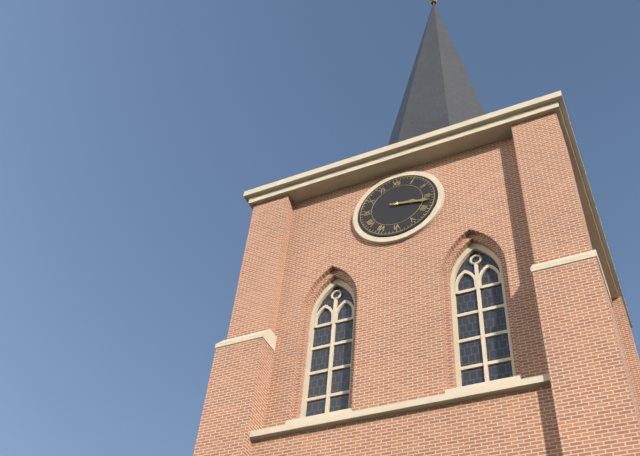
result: 3.17
